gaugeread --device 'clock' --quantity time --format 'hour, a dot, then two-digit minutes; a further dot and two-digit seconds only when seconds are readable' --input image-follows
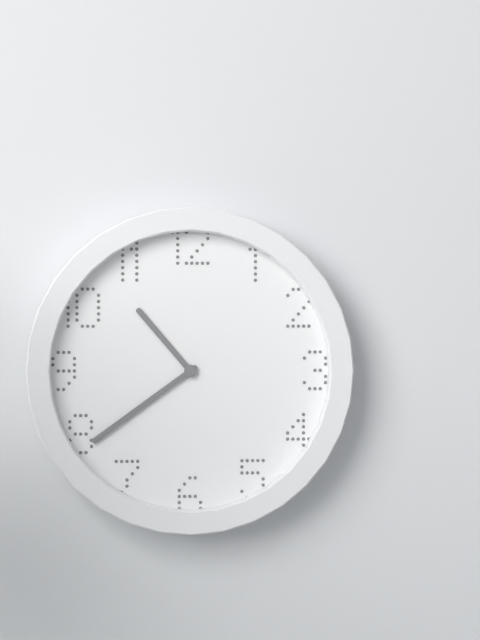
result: 10.39
